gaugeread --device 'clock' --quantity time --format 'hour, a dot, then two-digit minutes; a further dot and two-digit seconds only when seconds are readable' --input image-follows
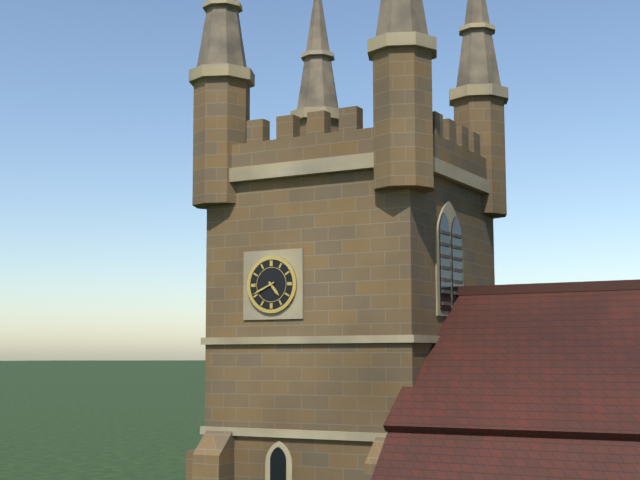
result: 4.41
